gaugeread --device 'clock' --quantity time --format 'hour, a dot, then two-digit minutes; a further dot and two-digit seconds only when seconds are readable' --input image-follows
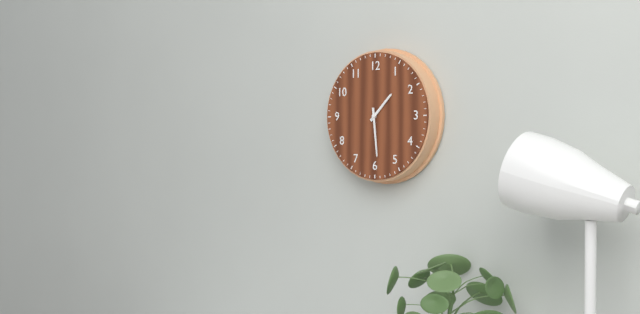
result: 1.29
